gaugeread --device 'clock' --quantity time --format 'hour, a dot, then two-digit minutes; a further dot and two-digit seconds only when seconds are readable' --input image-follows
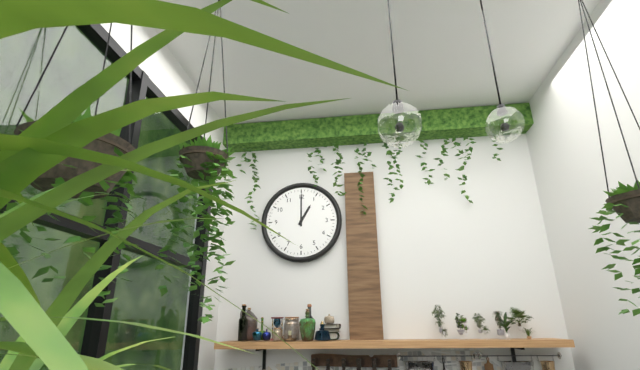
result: 1.00
